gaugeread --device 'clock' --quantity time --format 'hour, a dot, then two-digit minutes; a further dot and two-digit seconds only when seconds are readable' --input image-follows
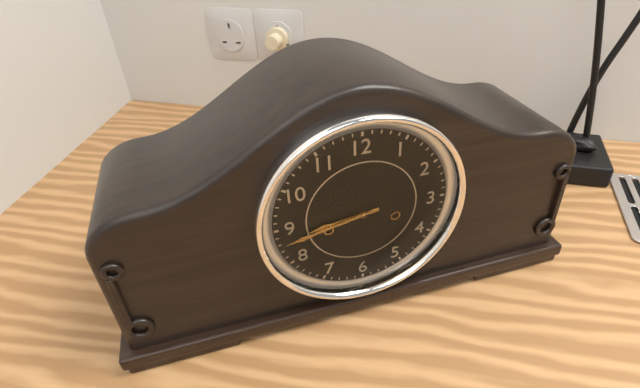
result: 8.43
